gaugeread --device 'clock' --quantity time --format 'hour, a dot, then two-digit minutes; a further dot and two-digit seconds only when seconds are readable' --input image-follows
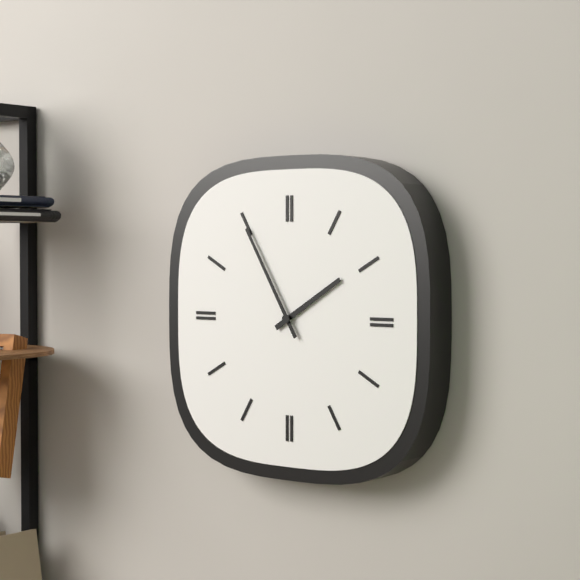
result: 1.55
